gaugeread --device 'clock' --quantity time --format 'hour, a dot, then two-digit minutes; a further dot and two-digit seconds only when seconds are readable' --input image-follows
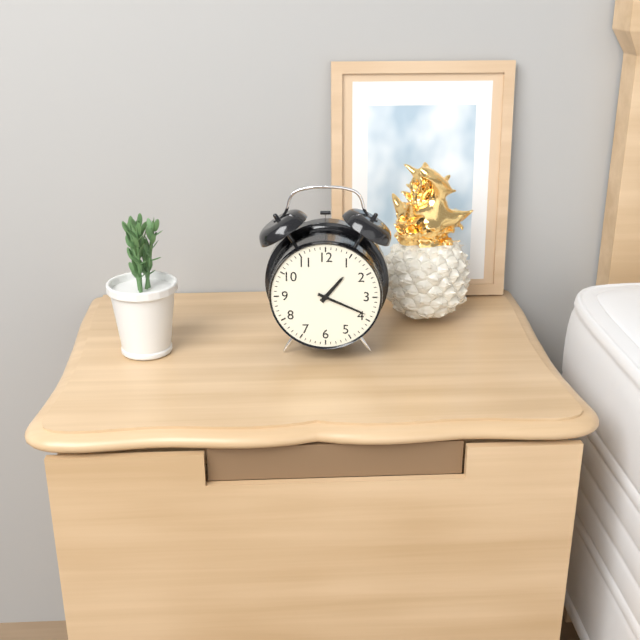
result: 1.19
